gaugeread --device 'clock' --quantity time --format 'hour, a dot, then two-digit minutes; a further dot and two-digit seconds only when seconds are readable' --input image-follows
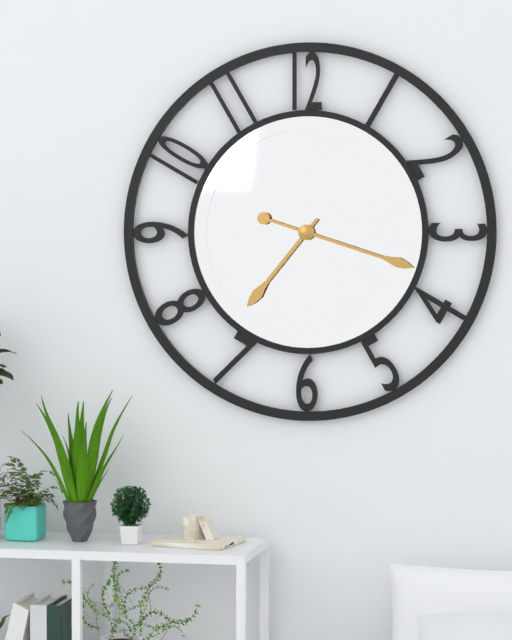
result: 7.18
